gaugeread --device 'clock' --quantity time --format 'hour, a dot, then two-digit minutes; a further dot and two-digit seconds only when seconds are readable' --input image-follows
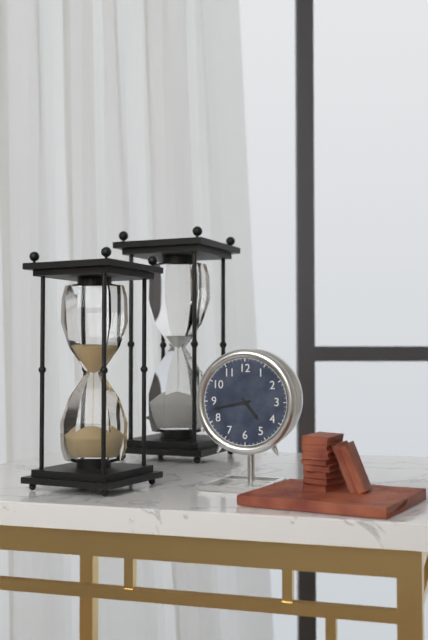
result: 4.43
